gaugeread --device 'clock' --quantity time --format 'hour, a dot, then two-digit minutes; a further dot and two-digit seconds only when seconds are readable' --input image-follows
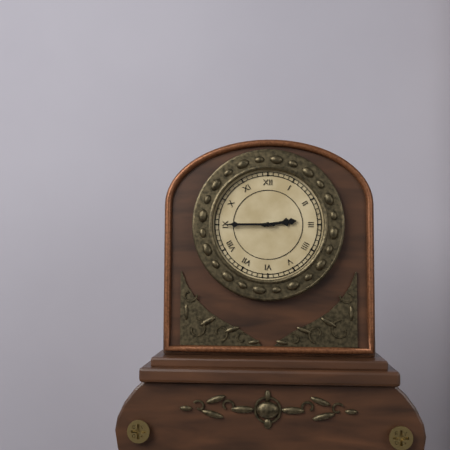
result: 2.45
